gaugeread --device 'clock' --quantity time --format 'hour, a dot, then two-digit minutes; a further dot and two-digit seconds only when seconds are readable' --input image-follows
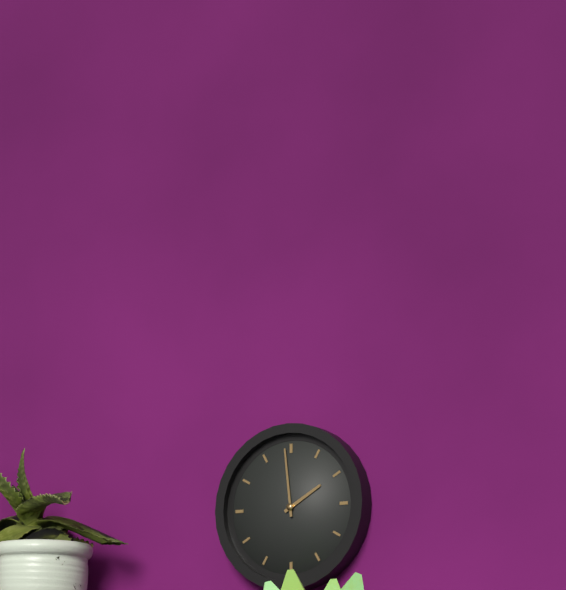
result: 1.59
